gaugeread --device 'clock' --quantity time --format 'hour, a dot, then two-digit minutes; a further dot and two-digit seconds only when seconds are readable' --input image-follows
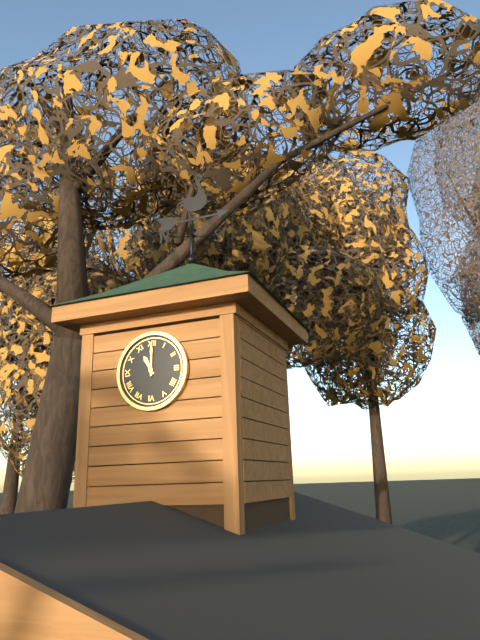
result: 11.00
